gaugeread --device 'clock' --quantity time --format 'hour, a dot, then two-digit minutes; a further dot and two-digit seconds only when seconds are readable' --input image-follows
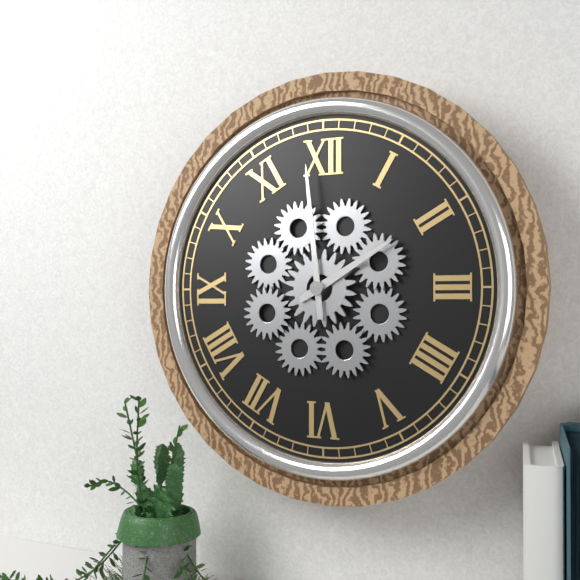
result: 1.59
